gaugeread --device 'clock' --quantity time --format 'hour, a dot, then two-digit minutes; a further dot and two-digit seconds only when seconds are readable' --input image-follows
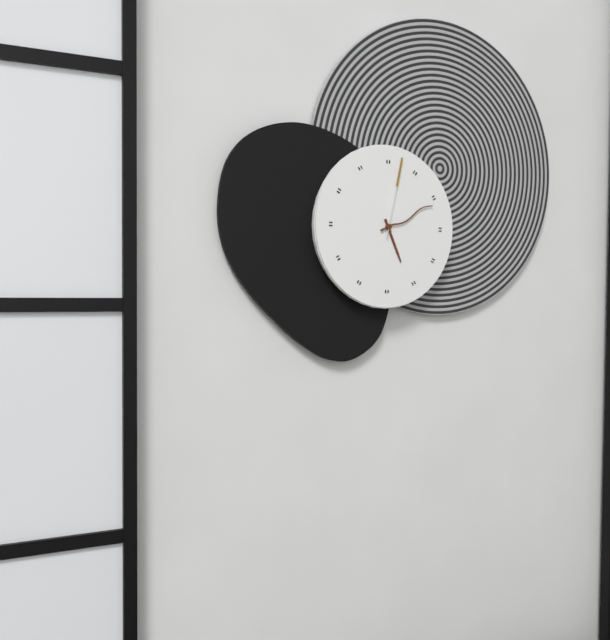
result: 5.11.02
